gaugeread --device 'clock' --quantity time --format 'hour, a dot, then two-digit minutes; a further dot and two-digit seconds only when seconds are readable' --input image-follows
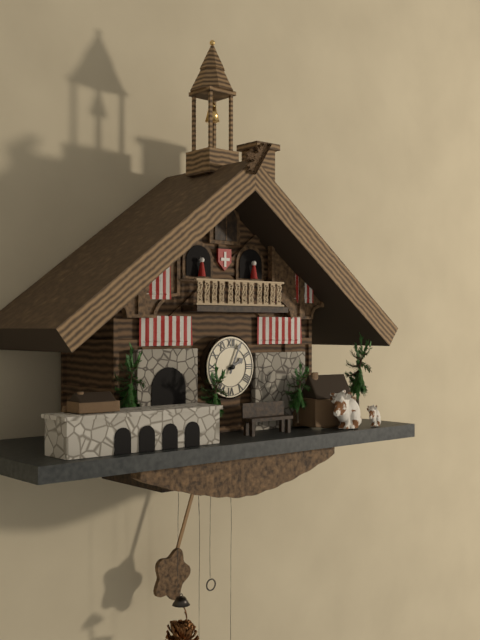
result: 2.04
